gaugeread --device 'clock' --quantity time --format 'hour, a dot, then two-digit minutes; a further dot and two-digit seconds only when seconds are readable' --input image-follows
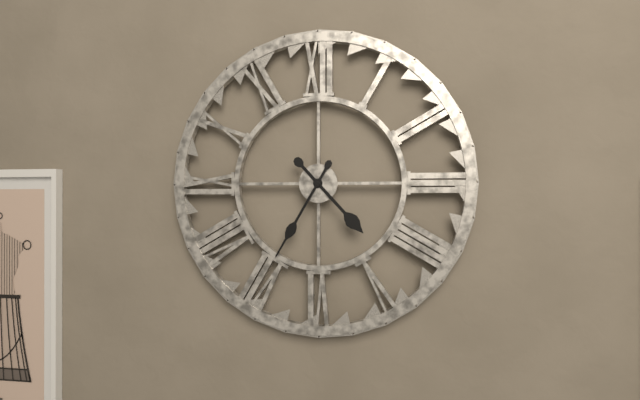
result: 4.35
